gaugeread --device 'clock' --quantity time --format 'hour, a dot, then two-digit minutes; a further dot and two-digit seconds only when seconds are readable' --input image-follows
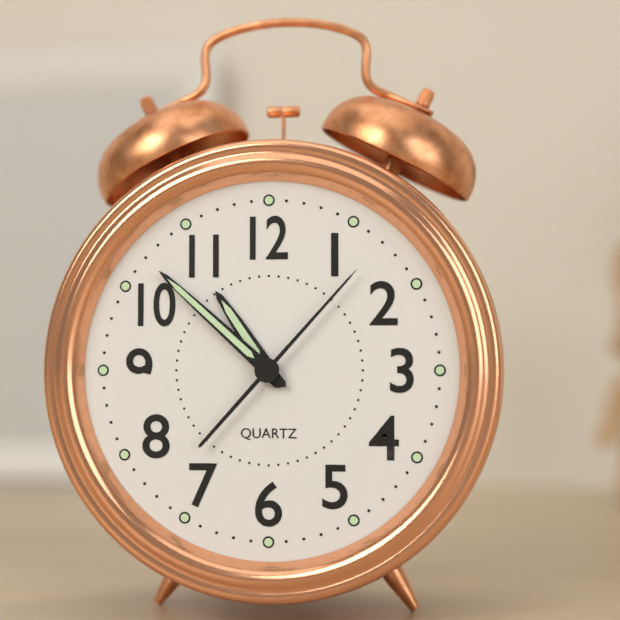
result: 10.52.07
